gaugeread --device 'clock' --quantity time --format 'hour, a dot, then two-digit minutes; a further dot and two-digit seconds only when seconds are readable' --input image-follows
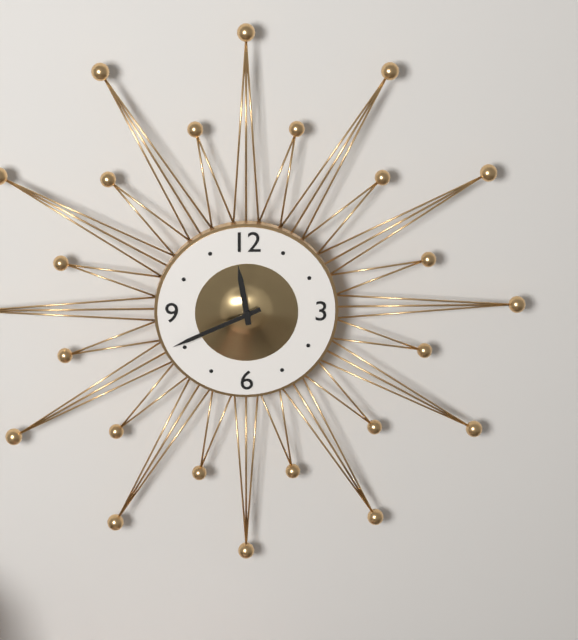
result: 11.41
